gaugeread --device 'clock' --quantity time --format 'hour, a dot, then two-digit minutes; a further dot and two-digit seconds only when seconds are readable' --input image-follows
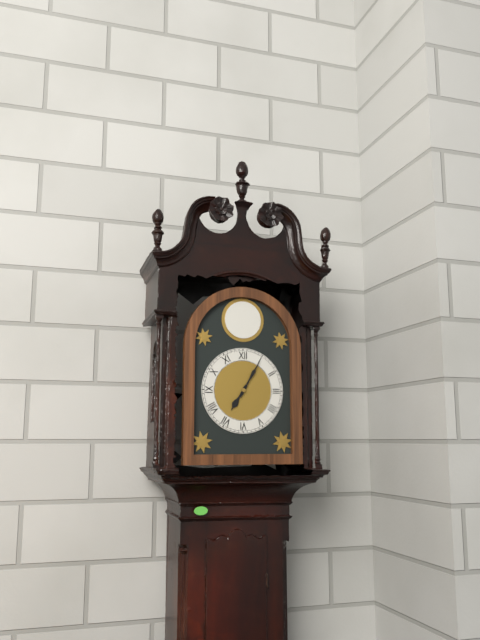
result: 7.05
